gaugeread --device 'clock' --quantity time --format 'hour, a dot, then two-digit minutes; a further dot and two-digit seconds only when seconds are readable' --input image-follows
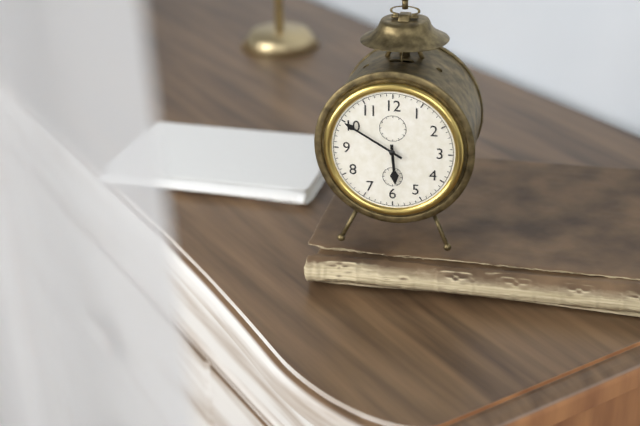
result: 5.50
